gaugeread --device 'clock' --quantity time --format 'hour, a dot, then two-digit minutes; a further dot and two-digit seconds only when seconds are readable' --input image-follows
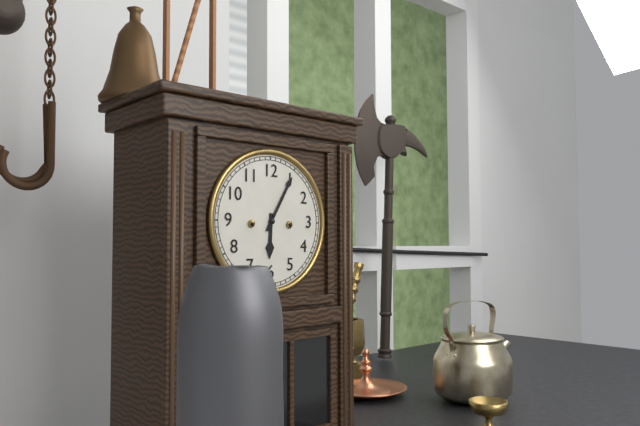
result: 6.05
